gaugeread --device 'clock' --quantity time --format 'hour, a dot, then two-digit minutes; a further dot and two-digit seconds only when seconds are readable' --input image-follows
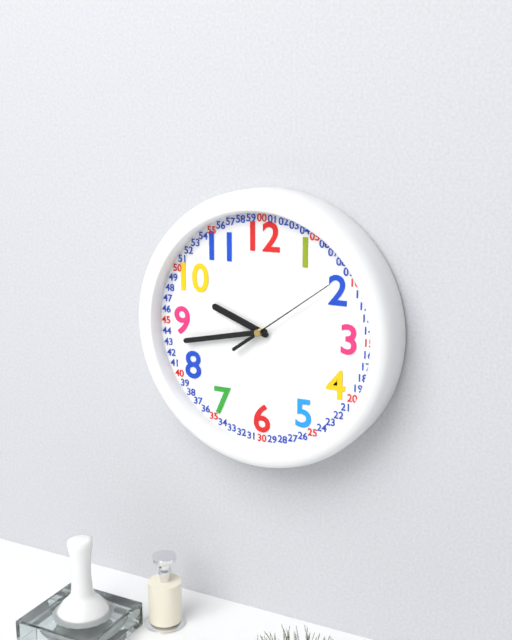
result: 9.43.09
